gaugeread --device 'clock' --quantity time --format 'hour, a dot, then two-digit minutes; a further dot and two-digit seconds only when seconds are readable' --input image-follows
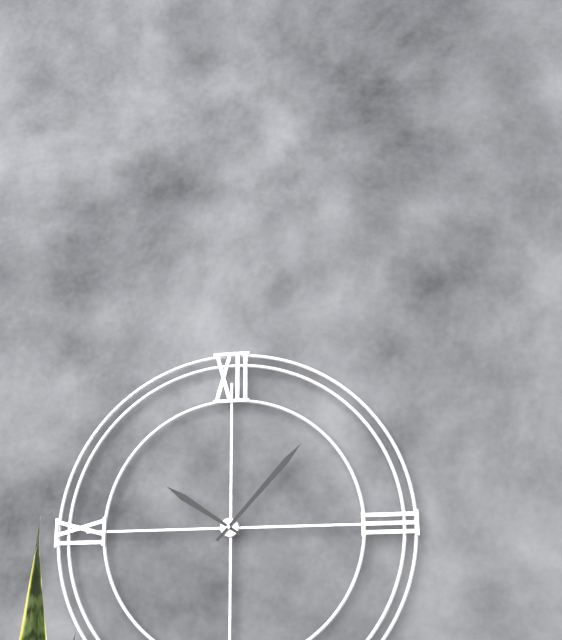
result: 10.07
